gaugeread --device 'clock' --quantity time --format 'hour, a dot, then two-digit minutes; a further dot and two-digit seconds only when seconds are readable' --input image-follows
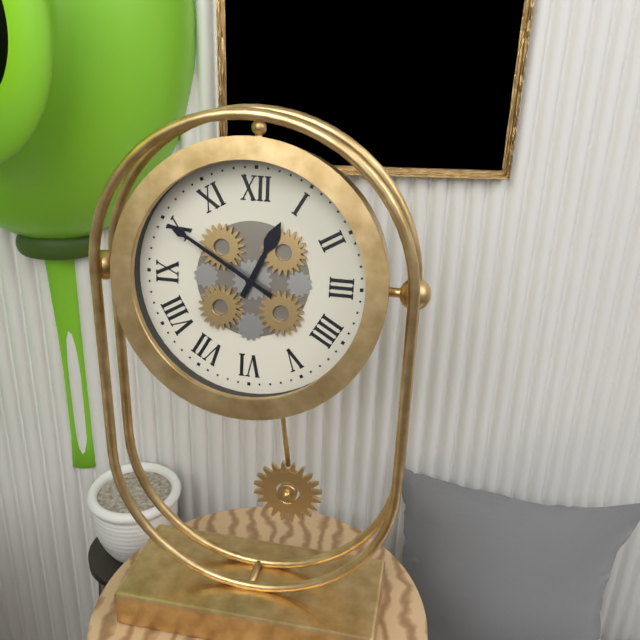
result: 12.50
